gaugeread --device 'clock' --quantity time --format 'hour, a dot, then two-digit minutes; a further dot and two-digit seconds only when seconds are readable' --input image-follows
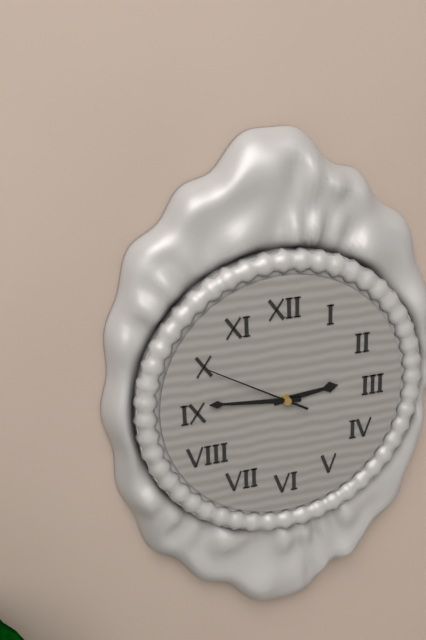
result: 2.46.50
